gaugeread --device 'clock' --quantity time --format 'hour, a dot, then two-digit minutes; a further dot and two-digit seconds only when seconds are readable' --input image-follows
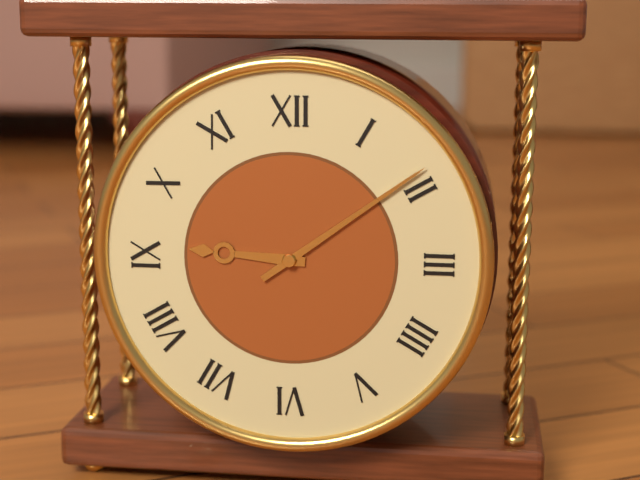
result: 9.09
